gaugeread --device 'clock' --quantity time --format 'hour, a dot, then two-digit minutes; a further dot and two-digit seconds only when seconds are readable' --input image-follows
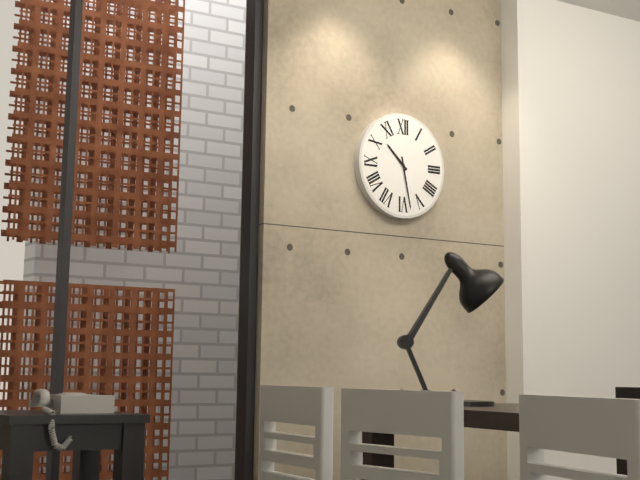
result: 10.28
